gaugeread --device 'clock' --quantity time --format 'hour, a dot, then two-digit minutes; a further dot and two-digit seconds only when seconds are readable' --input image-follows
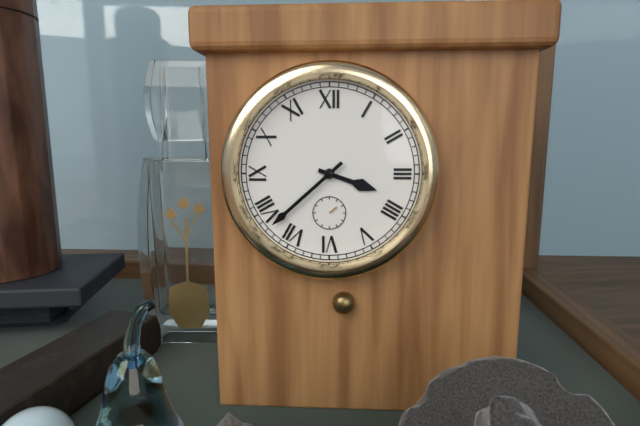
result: 3.38
